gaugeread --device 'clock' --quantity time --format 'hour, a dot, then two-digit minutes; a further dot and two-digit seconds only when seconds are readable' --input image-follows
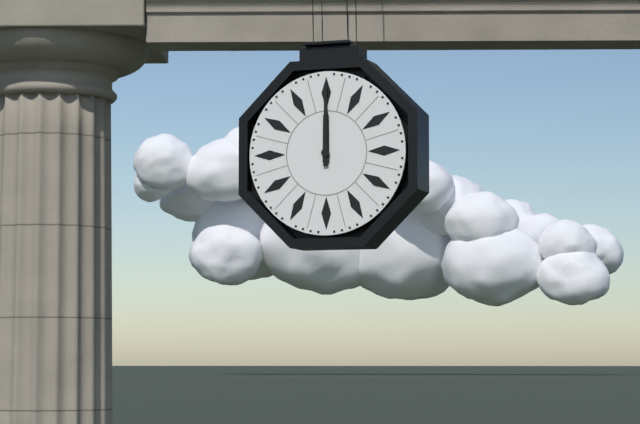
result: 12.00
